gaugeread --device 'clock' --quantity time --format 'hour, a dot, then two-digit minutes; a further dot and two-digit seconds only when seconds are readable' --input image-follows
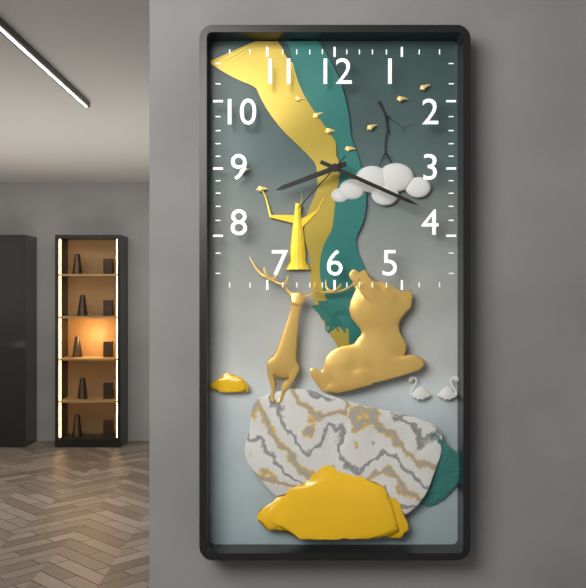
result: 8.19.37
